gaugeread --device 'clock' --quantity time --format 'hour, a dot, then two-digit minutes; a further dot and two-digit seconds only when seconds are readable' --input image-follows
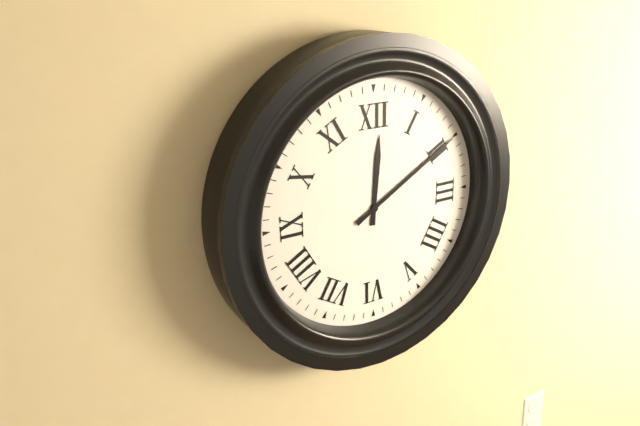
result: 12.10
